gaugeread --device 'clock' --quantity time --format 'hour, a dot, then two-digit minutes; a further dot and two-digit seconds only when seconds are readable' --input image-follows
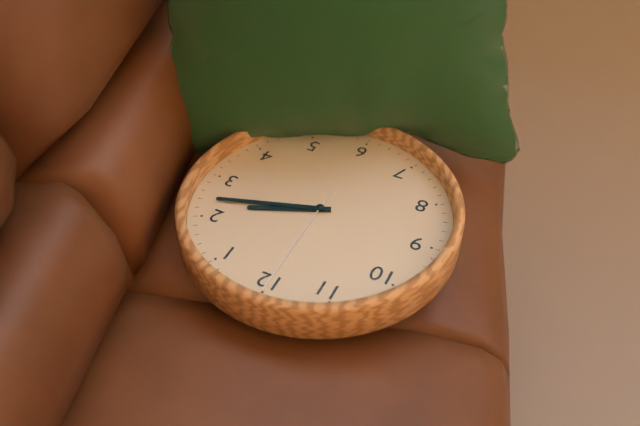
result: 2.12.00
